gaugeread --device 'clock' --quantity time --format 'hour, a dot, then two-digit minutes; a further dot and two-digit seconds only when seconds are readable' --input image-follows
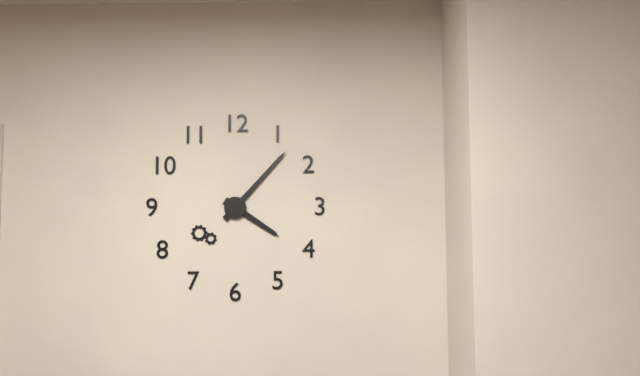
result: 4.07
